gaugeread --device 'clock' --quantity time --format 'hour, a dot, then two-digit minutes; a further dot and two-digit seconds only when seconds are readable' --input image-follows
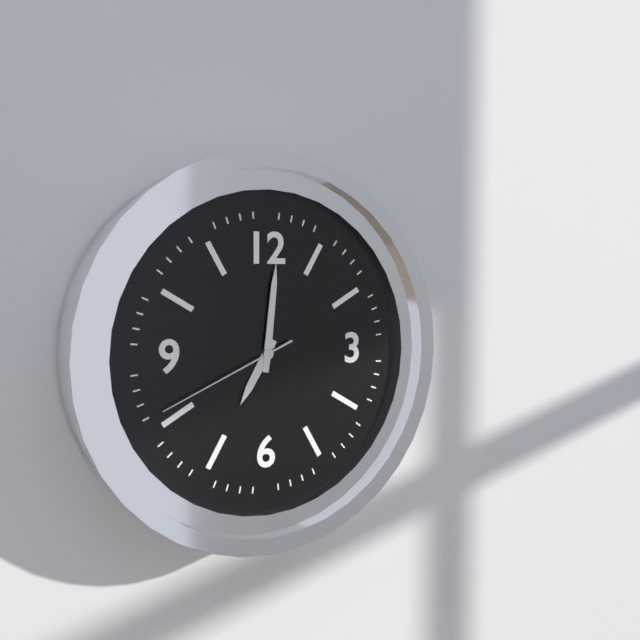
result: 7.01.41
